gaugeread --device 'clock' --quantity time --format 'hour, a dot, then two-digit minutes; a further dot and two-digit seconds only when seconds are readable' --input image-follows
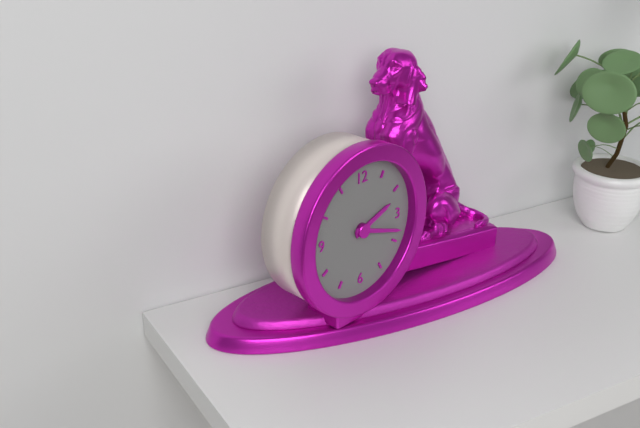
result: 2.18
